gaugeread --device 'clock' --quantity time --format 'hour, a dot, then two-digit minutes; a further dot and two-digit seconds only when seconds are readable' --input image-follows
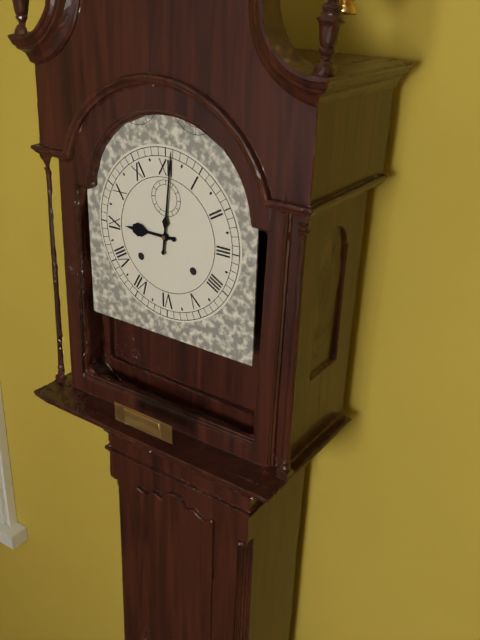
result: 9.01
